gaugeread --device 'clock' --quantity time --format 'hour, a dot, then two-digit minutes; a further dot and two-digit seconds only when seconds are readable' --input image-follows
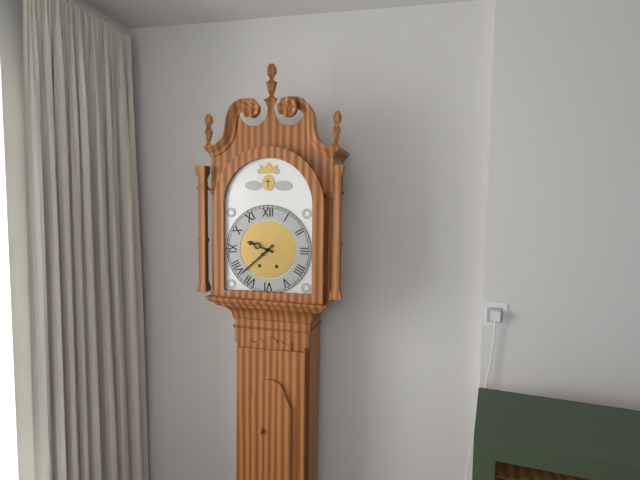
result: 9.38
